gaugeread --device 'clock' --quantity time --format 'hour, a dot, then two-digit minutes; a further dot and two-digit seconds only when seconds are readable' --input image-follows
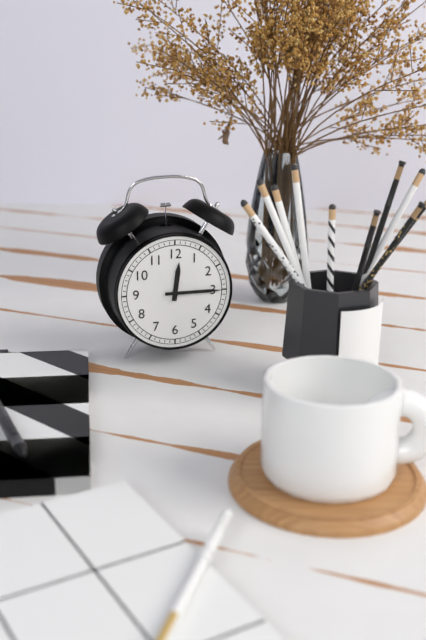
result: 12.15
